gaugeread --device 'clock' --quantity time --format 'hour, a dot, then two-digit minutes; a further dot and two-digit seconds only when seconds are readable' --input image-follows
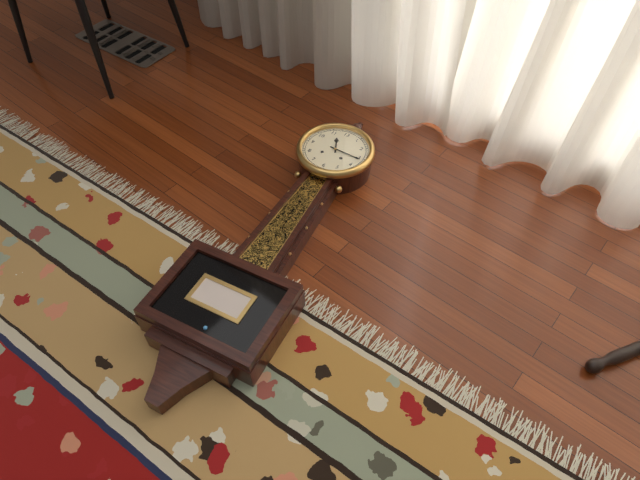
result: 11.16
